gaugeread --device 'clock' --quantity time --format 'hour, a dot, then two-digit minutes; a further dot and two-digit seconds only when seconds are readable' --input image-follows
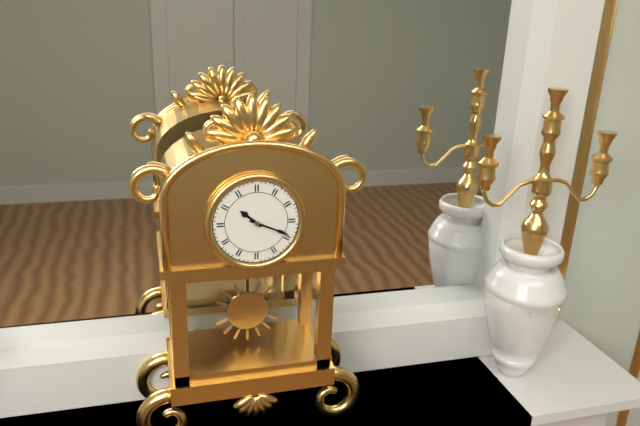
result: 10.19
